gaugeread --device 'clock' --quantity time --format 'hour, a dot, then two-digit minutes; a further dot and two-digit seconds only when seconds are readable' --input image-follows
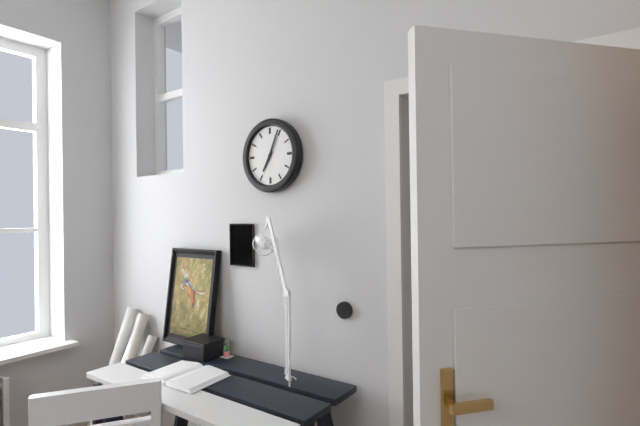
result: 7.04
